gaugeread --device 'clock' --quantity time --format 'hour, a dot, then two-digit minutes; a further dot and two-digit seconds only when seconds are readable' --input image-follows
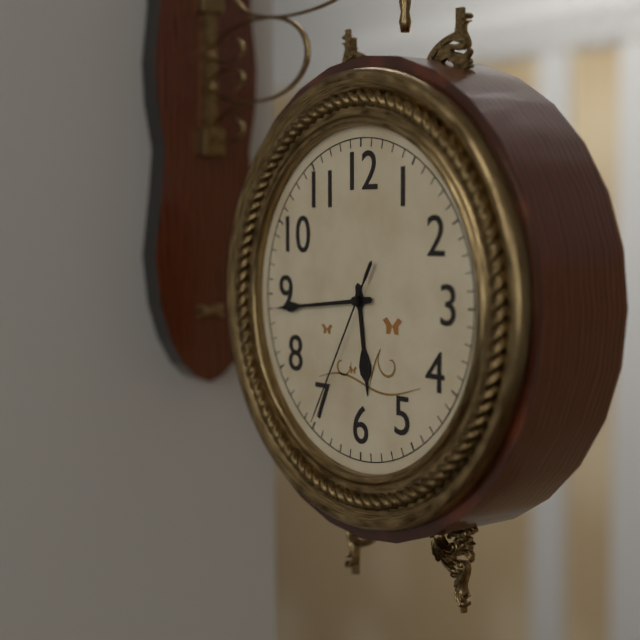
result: 5.44.35
